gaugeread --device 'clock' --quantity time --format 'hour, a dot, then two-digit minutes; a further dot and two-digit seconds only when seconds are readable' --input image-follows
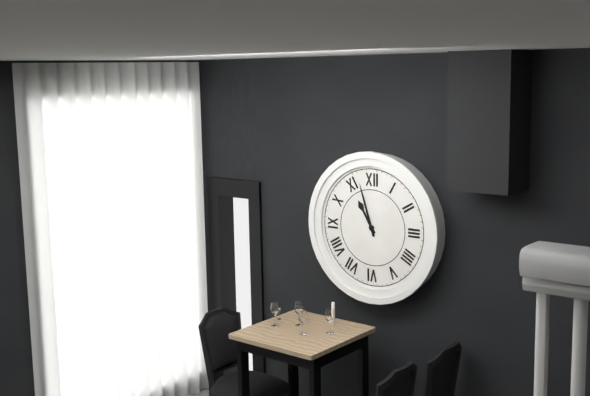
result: 10.57
